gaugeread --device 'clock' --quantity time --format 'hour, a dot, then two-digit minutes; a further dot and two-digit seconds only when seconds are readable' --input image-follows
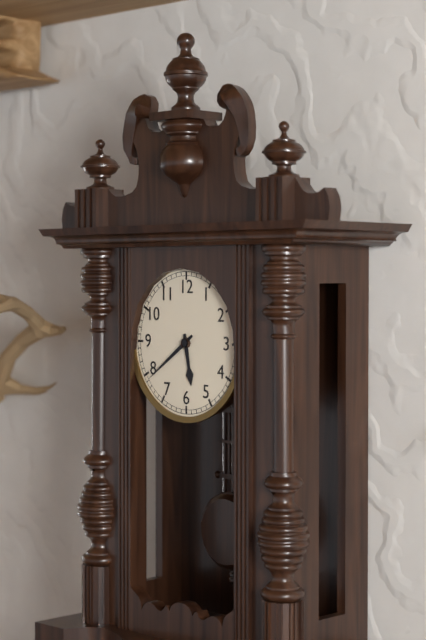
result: 5.39
